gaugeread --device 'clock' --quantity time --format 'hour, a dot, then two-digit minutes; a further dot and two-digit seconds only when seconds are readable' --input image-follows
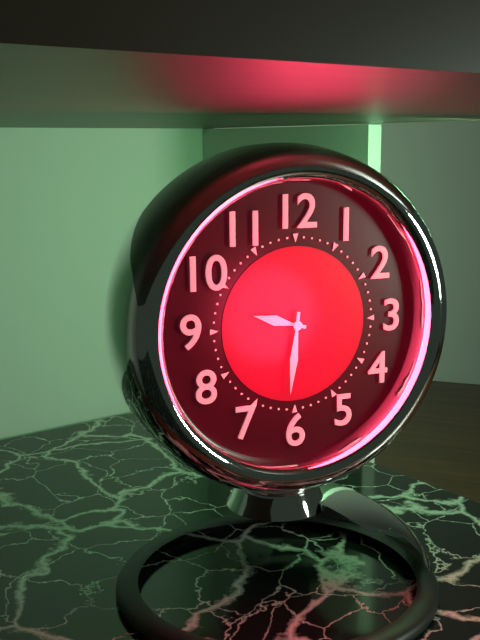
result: 9.31
